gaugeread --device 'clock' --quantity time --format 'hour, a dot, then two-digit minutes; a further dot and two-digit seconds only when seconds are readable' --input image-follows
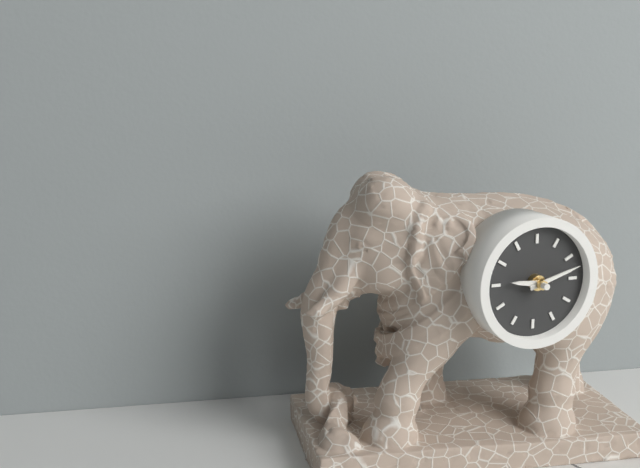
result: 9.12
